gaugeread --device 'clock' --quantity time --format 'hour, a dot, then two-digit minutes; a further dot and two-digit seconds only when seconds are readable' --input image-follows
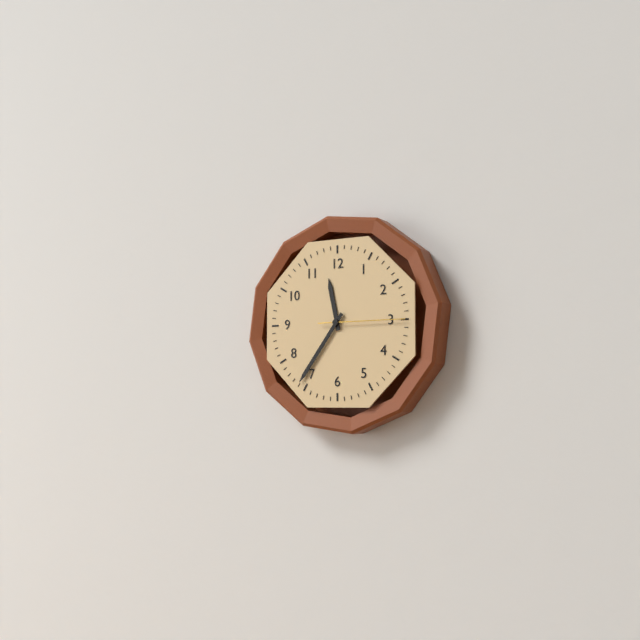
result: 11.36.15
